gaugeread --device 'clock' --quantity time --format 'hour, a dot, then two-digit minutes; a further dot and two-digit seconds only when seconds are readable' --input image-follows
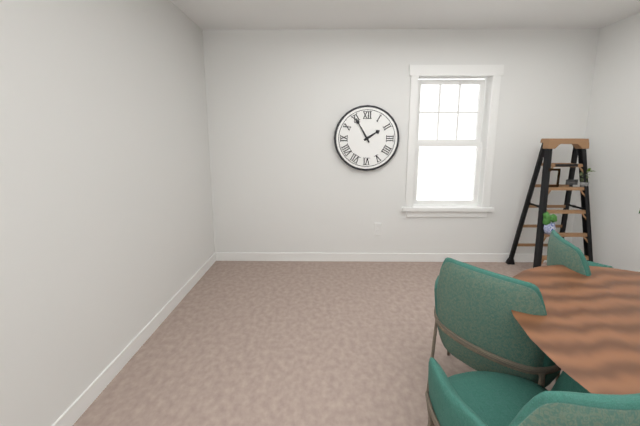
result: 1.55
